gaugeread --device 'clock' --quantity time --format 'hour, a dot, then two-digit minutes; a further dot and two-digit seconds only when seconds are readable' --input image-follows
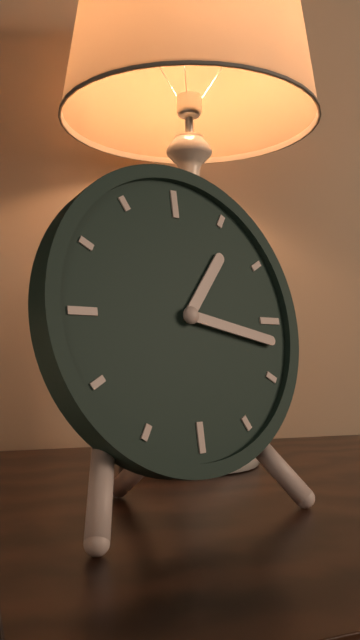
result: 1.17
